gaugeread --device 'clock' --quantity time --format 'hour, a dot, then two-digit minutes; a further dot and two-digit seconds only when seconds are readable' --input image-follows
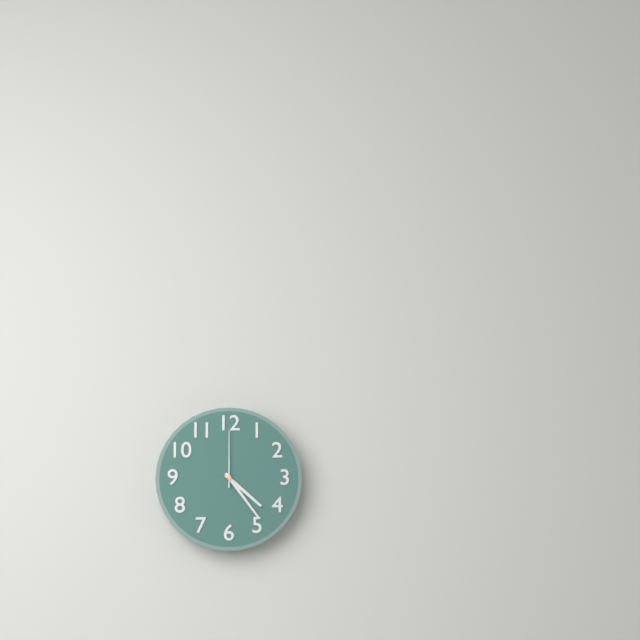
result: 4.24.00
